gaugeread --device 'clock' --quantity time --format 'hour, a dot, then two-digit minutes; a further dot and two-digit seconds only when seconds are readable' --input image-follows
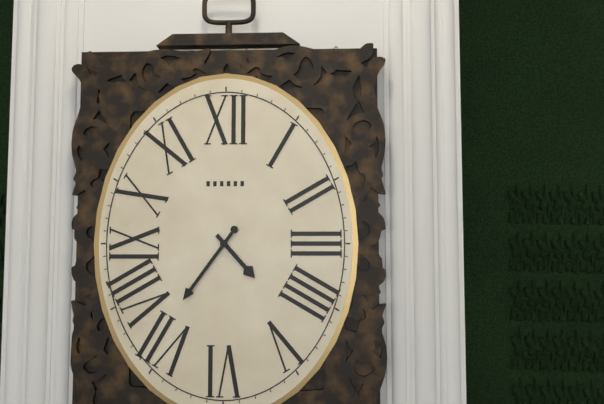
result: 4.36
